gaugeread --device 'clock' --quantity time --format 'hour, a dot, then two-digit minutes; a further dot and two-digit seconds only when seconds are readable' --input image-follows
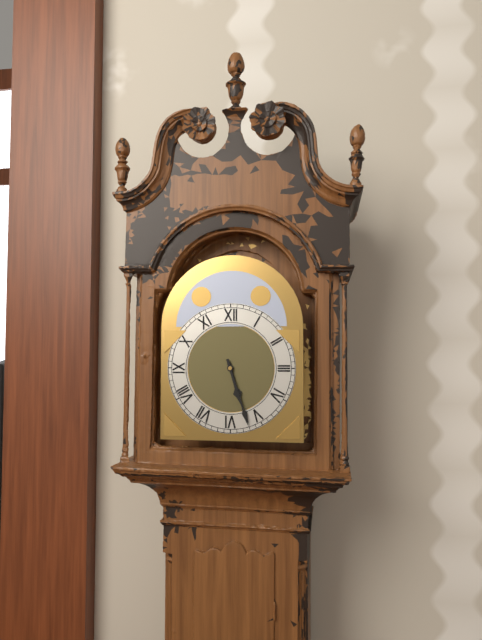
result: 5.27
